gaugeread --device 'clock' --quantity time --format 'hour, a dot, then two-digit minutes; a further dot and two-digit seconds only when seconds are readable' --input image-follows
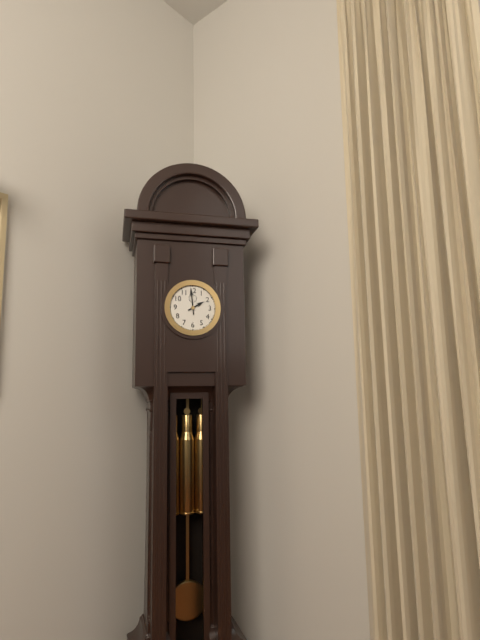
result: 1.59
